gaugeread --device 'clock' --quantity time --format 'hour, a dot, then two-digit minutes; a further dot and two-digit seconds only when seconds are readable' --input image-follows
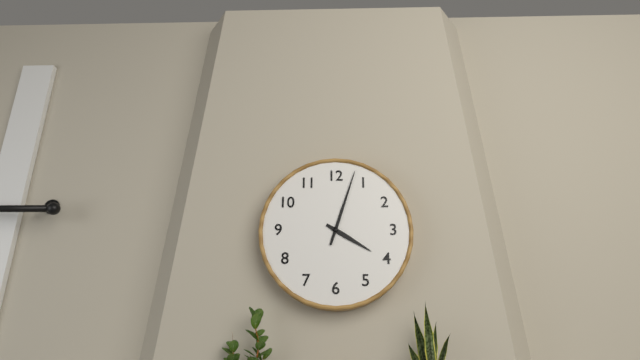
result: 4.03
